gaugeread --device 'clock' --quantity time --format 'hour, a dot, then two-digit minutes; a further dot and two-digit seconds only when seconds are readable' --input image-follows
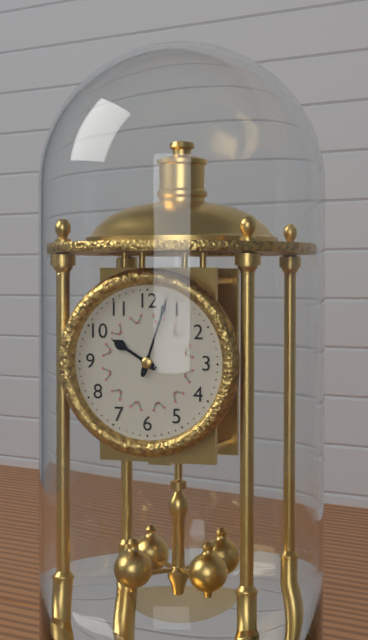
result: 10.03
